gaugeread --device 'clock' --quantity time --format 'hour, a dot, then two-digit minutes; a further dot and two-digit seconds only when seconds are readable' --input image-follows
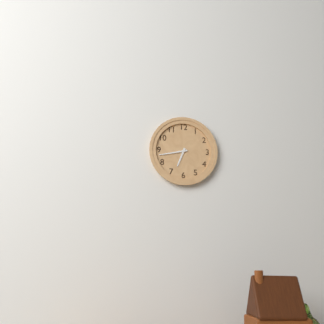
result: 6.43
